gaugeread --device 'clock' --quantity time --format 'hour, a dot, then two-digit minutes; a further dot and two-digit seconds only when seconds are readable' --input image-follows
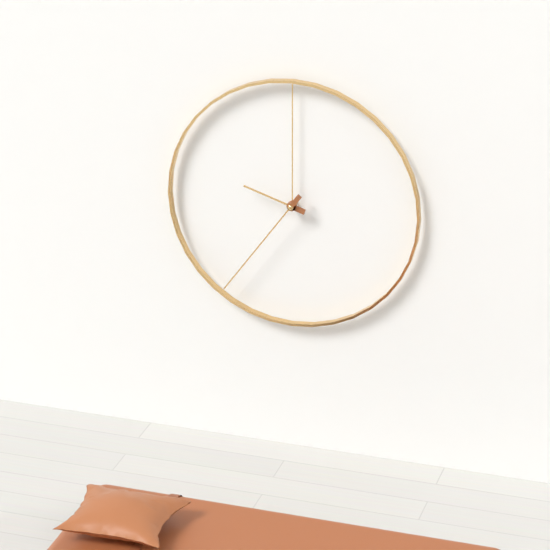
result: 9.36
